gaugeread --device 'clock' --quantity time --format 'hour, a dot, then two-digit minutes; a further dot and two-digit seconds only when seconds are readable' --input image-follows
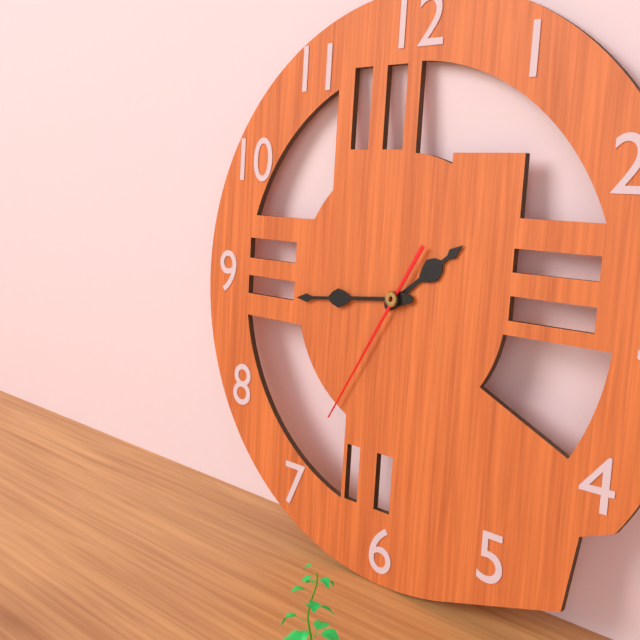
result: 1.44.35
